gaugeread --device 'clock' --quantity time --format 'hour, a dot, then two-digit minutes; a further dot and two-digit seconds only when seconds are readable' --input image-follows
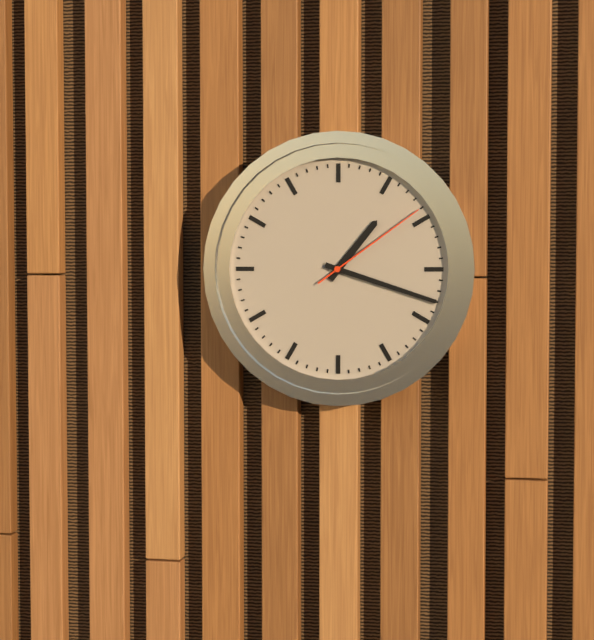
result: 1.18.09
